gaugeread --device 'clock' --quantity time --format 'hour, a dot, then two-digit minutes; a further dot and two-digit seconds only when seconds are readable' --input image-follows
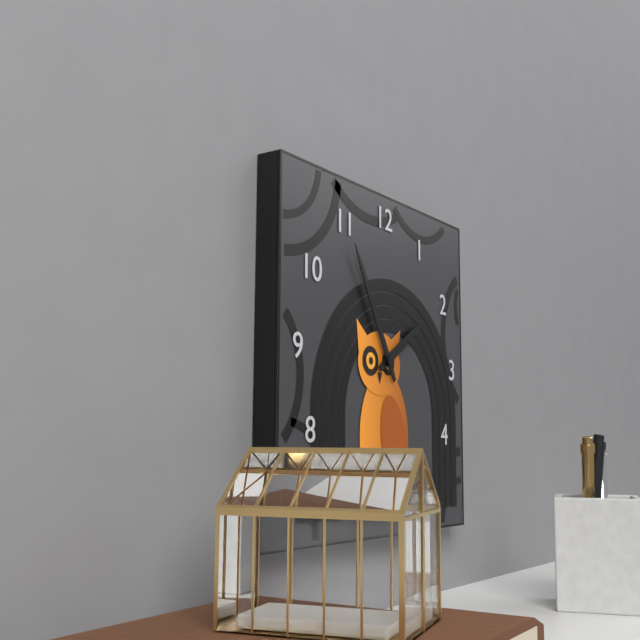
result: 1.55
